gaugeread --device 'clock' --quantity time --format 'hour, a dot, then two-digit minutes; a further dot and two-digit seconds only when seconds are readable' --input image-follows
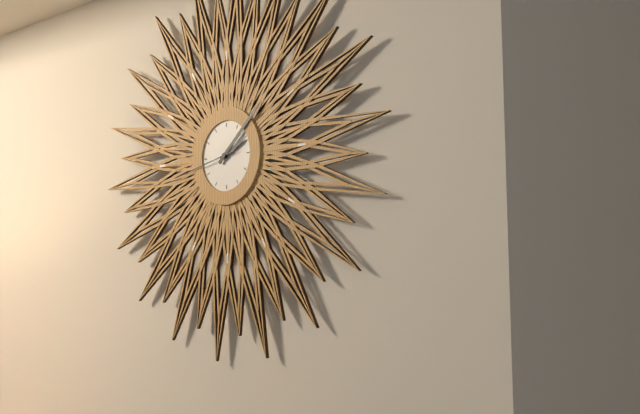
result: 2.08.43
